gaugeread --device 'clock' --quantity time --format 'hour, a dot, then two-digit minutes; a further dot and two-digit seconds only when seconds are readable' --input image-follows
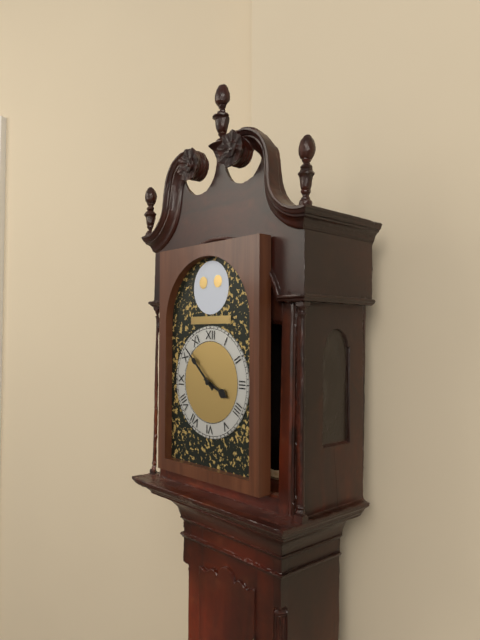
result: 3.52
